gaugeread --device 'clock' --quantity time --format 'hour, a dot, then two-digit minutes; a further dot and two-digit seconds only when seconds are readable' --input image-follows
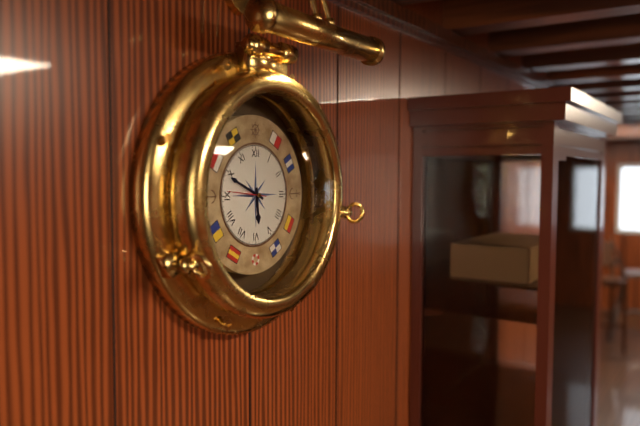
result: 5.49
